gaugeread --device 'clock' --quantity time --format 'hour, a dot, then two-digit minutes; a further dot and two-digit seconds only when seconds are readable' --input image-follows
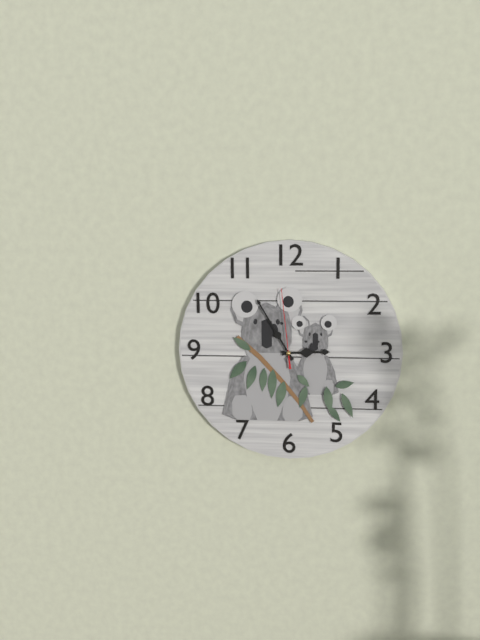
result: 2.55.59
